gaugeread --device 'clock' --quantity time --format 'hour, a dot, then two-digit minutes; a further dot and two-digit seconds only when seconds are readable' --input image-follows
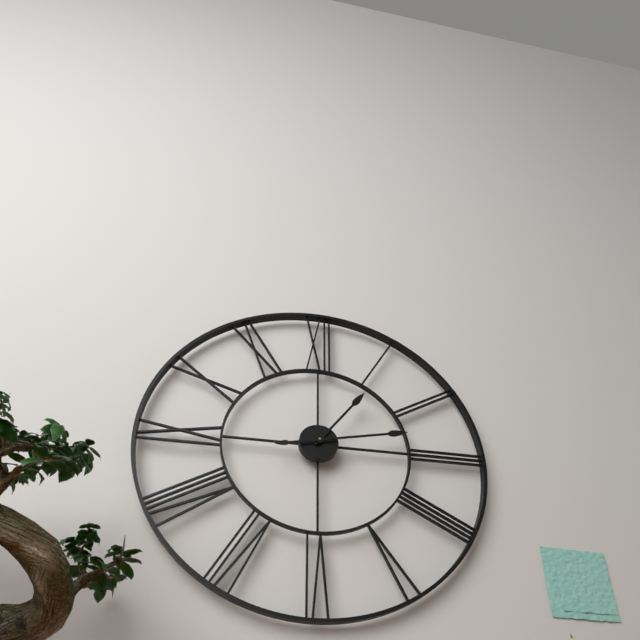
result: 1.13
